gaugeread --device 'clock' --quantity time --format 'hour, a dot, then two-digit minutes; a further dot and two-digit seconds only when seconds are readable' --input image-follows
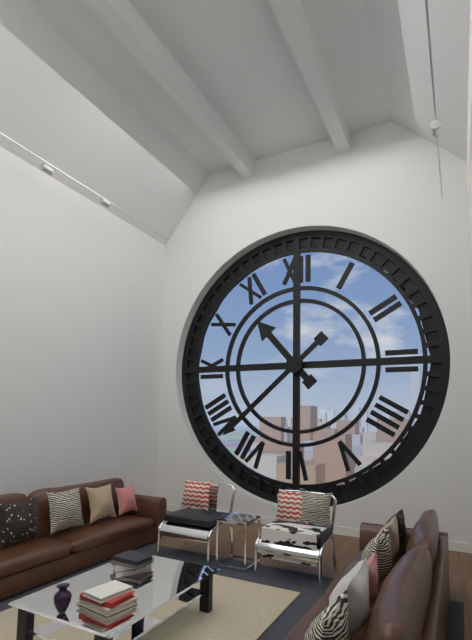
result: 10.38
